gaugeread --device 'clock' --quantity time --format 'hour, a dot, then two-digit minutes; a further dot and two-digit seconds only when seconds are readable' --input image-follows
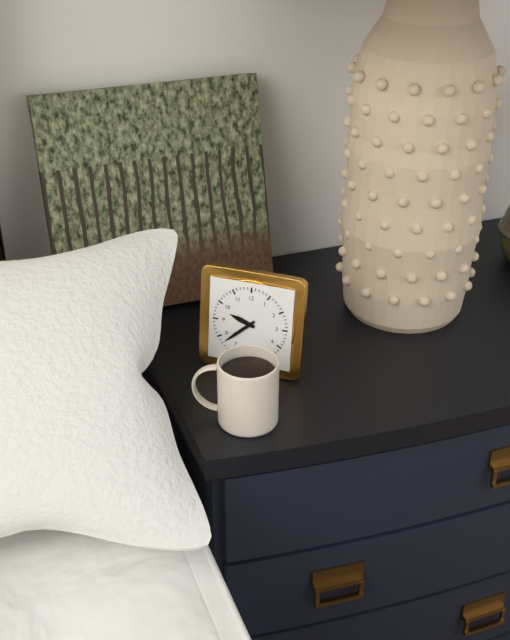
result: 9.38
